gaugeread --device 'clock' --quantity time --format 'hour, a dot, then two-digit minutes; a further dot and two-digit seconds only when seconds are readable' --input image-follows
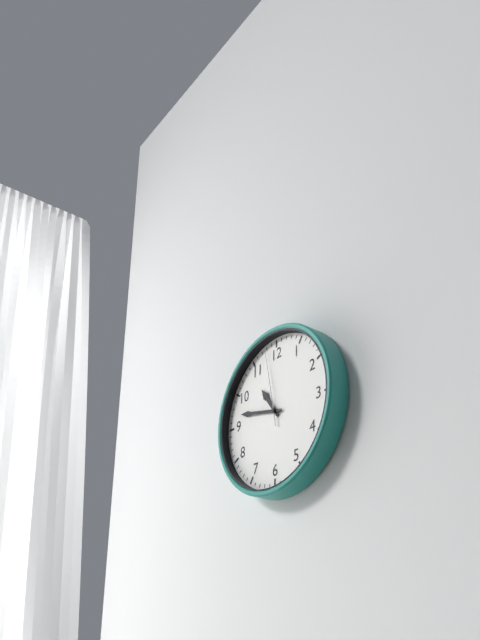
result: 10.47.58
